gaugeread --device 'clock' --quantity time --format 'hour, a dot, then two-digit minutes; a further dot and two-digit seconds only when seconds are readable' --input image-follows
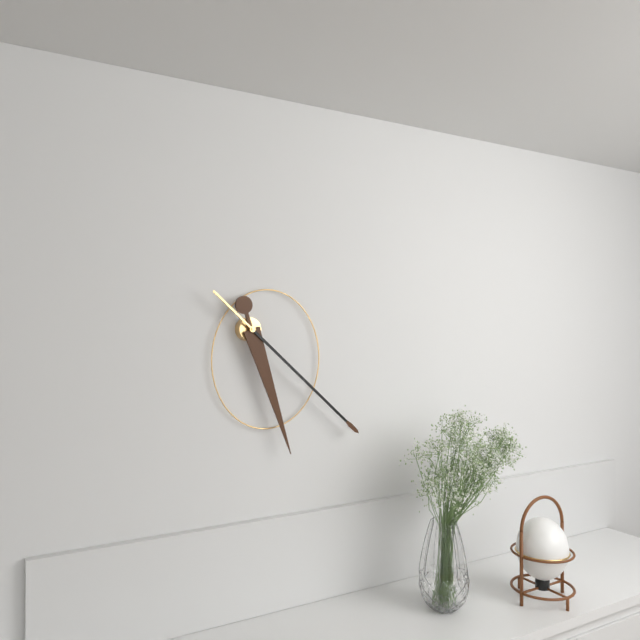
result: 5.22
